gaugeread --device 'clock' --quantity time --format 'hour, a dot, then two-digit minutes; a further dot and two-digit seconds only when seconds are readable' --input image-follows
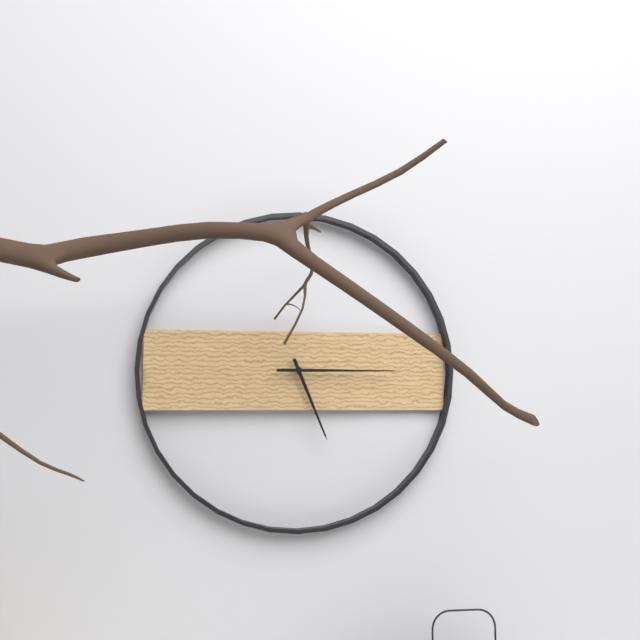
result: 5.15
